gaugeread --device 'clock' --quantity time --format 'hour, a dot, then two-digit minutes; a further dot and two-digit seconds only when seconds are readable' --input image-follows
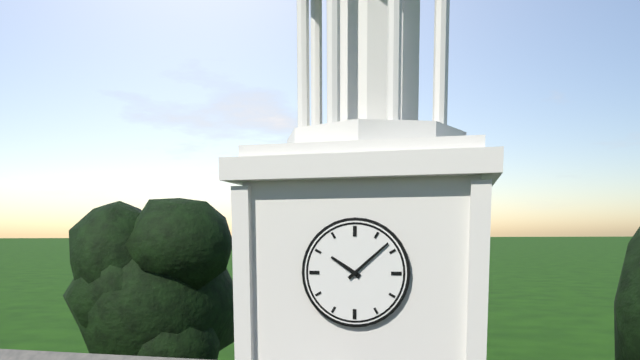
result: 10.08
